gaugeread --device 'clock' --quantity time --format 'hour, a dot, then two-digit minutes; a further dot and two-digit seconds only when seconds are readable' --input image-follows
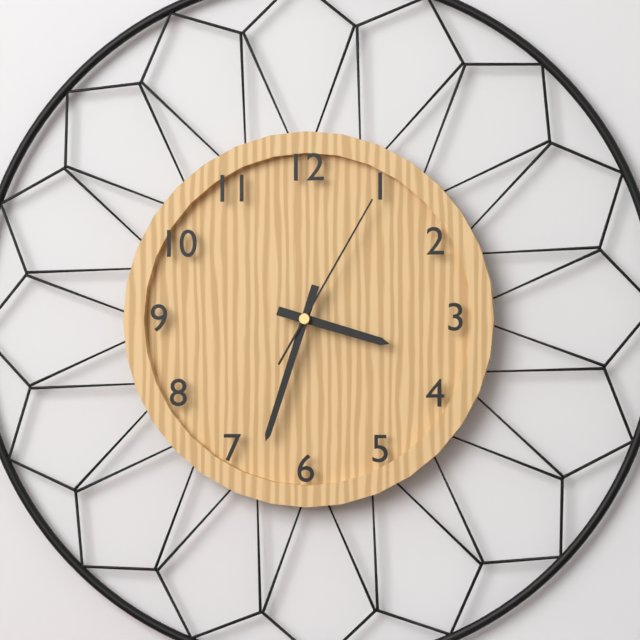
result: 3.33.05
